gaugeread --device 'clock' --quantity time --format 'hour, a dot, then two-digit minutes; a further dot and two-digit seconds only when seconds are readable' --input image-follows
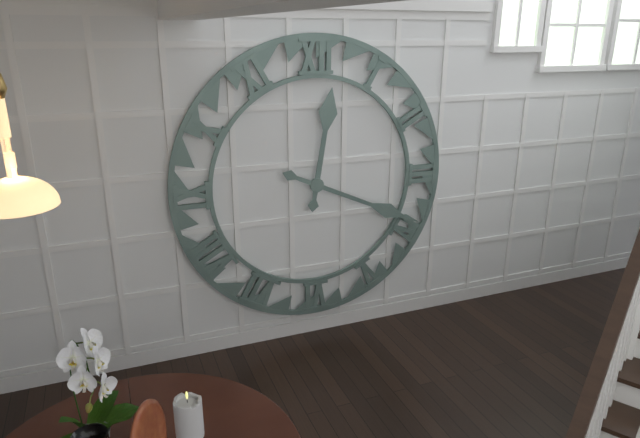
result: 12.19
